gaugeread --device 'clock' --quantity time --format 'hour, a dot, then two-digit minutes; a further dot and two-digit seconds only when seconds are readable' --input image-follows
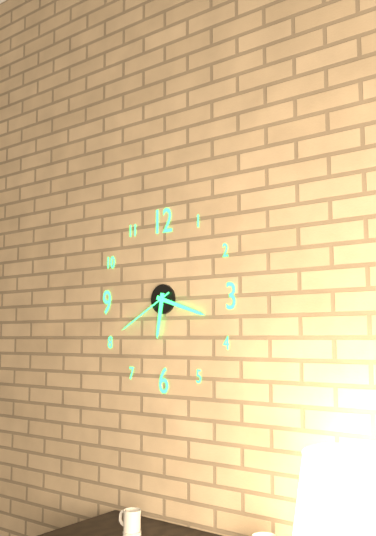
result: 6.18.40
